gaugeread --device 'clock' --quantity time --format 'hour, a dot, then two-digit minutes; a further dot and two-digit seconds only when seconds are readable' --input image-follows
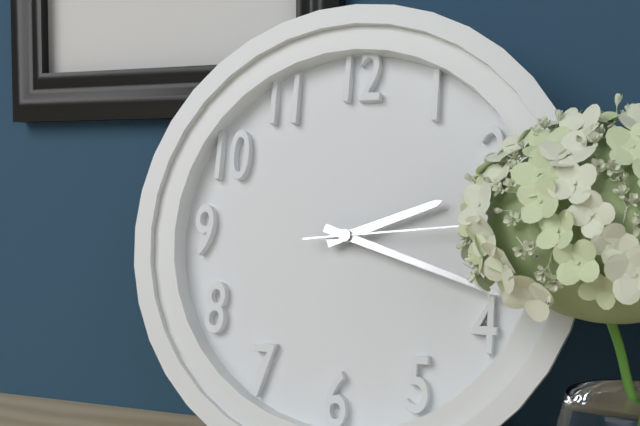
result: 2.18
